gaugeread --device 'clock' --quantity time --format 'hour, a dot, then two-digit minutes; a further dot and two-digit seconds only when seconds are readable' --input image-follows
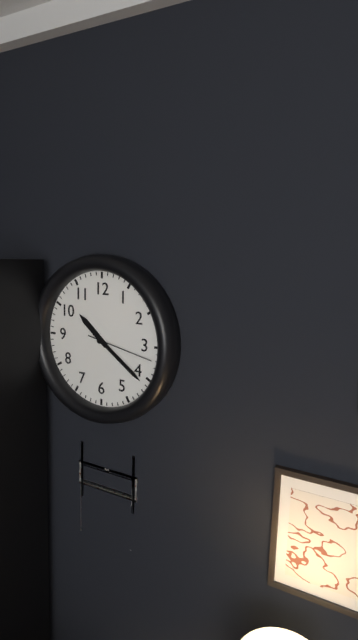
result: 10.21.17
